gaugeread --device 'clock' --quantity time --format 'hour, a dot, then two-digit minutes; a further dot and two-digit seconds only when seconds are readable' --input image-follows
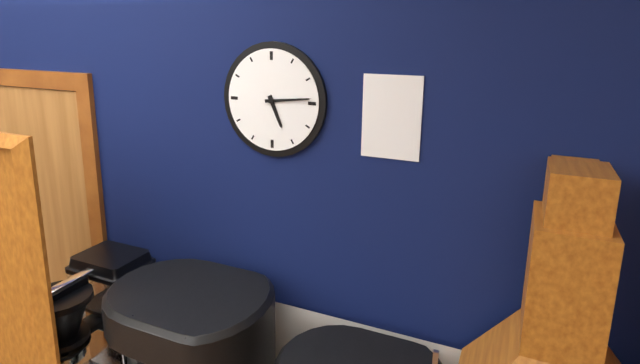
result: 5.14
